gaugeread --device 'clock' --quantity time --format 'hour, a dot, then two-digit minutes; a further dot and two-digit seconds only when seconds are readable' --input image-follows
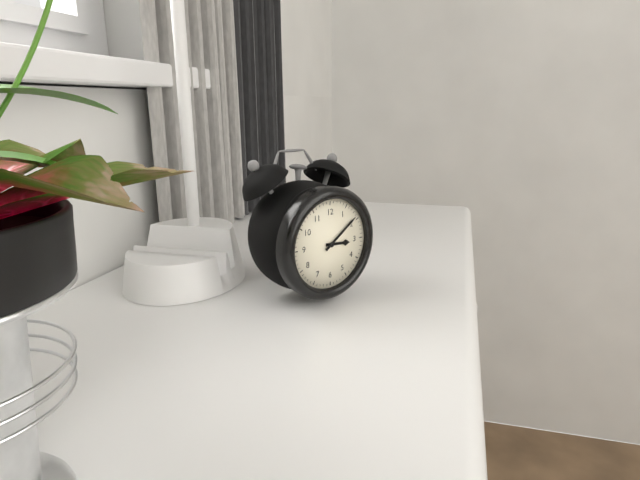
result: 3.09
